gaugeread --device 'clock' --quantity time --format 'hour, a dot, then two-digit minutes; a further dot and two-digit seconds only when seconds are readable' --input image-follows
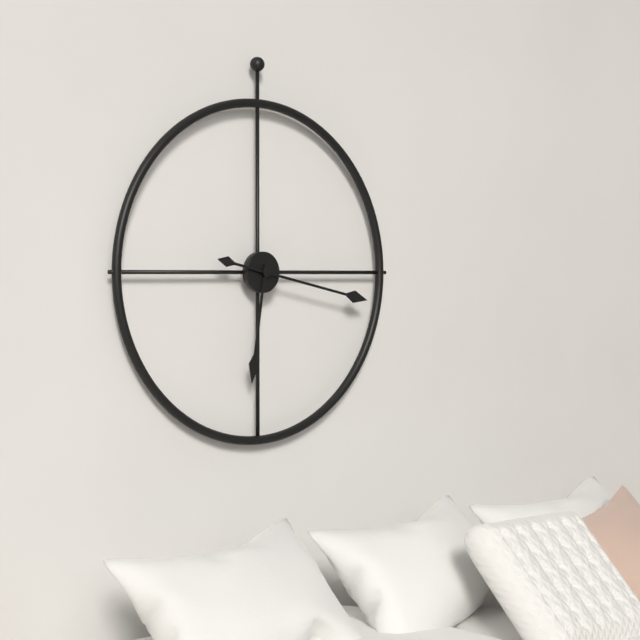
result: 6.17
